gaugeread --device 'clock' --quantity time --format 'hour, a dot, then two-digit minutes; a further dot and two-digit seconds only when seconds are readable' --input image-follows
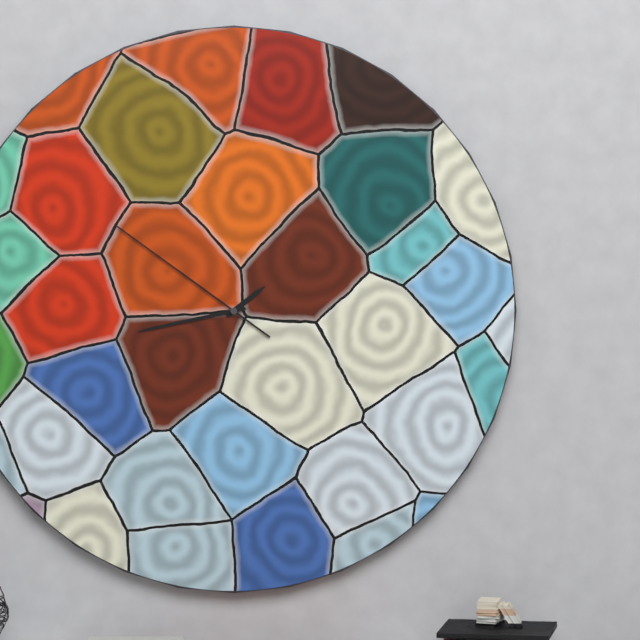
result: 1.43.51
